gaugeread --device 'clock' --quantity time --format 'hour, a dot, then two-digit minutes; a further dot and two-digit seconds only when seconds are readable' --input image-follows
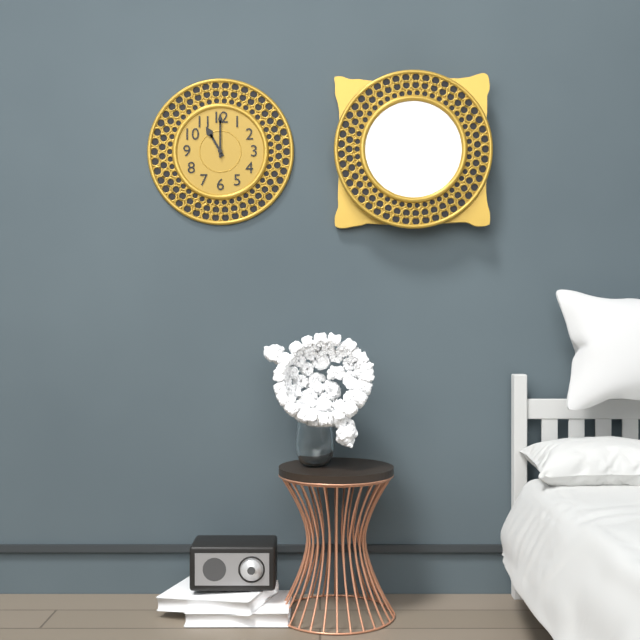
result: 11.00
